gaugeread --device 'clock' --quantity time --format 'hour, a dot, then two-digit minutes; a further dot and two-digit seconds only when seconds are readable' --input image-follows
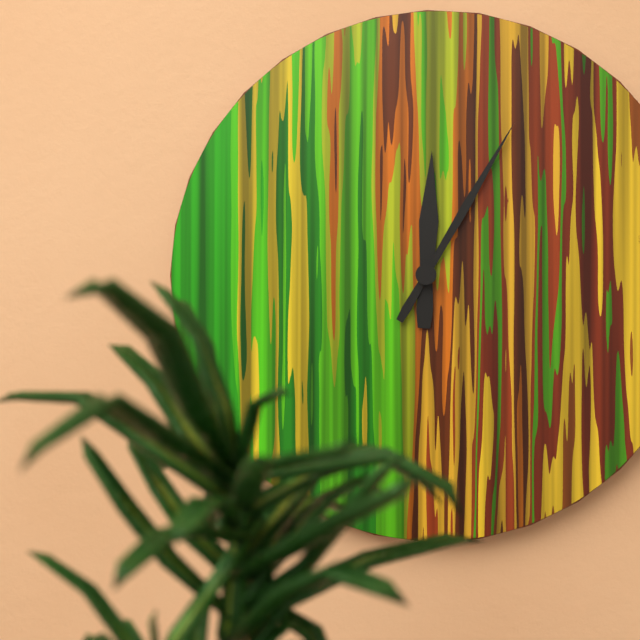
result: 12.05
